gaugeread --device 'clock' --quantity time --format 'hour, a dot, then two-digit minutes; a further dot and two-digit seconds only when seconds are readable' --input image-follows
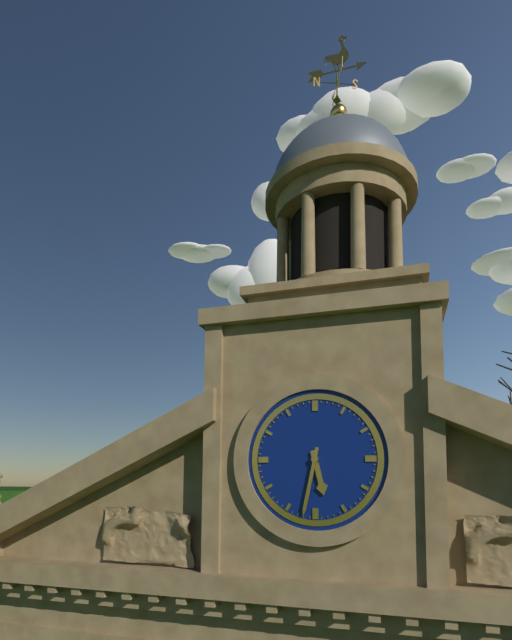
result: 5.32
